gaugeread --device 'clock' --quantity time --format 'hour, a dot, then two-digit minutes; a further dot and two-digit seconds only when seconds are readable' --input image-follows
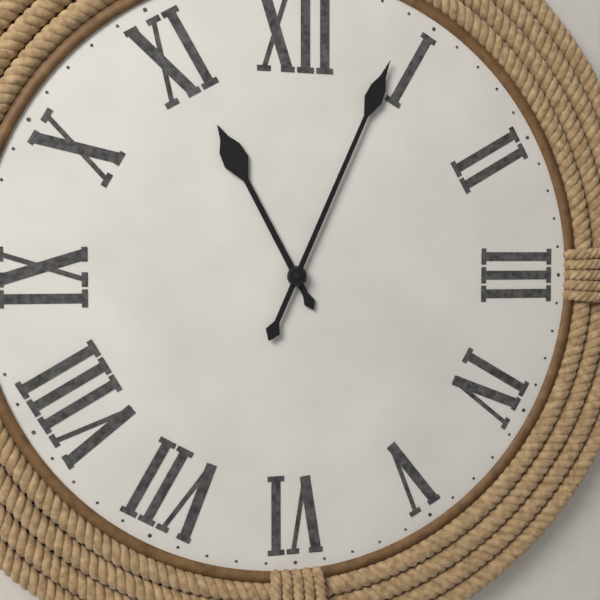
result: 11.04
